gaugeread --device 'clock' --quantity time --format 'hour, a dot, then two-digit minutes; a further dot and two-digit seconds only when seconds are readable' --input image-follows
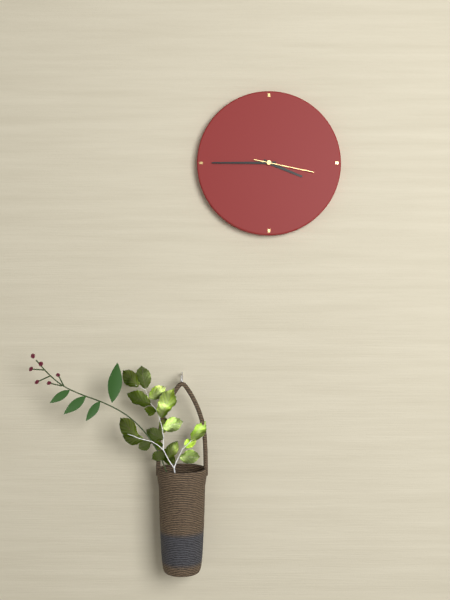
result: 3.45.17
